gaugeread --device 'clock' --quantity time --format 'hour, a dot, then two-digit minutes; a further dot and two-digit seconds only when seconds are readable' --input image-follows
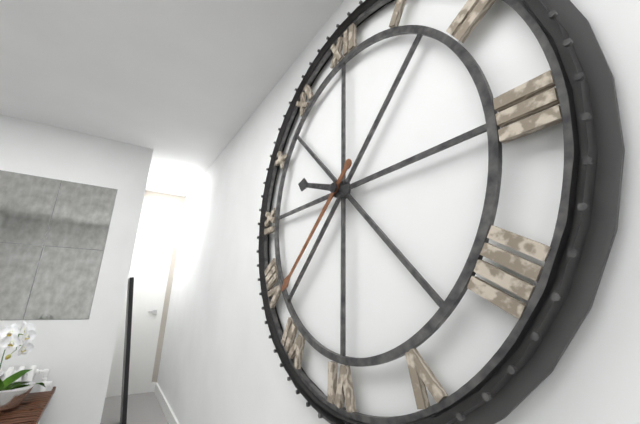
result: 9.38
